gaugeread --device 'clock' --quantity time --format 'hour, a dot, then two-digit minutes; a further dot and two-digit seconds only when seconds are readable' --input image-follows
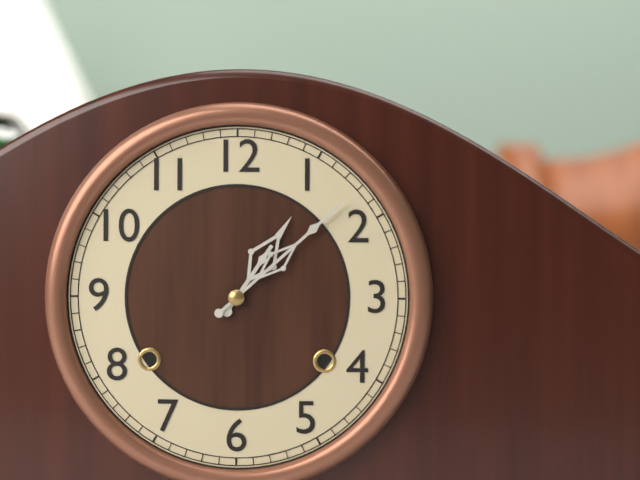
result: 1.08
